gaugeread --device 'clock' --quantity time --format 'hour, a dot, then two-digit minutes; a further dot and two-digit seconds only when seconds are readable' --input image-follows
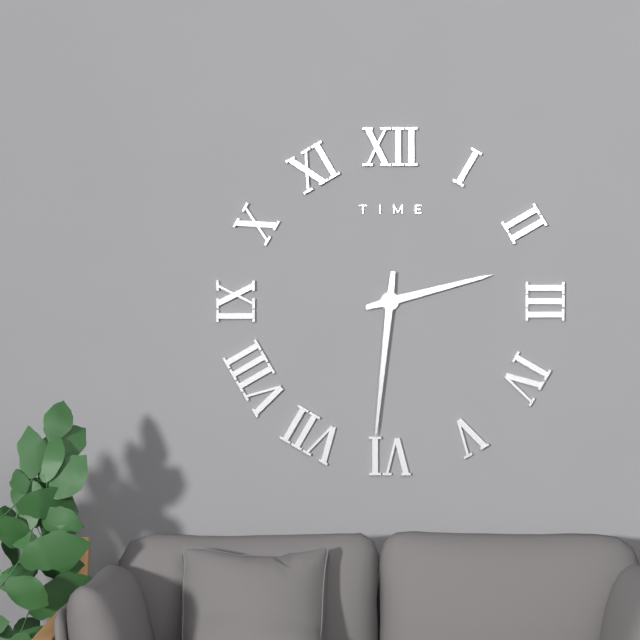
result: 2.31
